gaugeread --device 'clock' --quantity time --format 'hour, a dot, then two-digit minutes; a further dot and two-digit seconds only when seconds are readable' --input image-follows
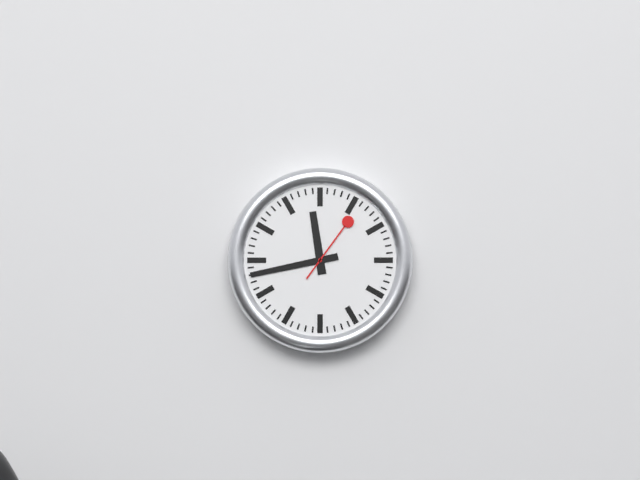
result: 11.43.06
